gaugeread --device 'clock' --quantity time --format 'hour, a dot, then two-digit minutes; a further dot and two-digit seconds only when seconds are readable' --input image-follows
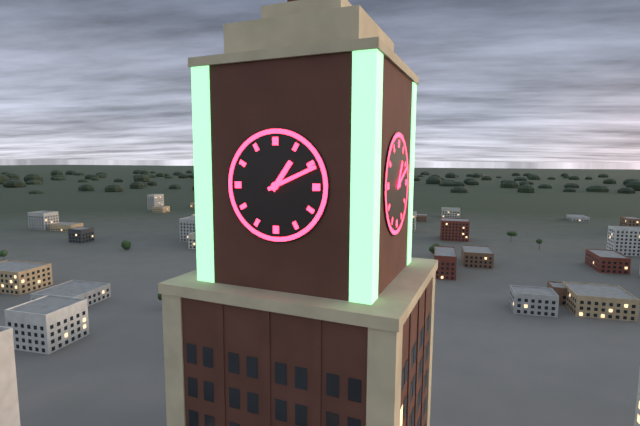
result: 1.11
